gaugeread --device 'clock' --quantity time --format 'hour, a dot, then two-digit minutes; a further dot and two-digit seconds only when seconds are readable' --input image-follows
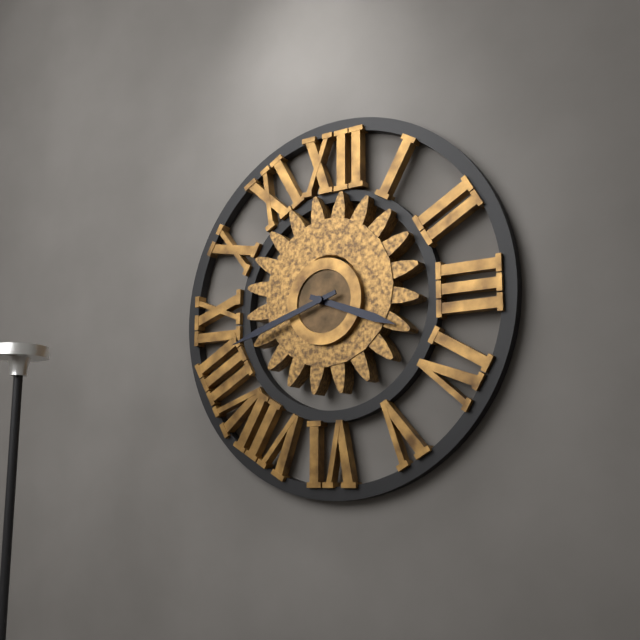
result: 3.42
